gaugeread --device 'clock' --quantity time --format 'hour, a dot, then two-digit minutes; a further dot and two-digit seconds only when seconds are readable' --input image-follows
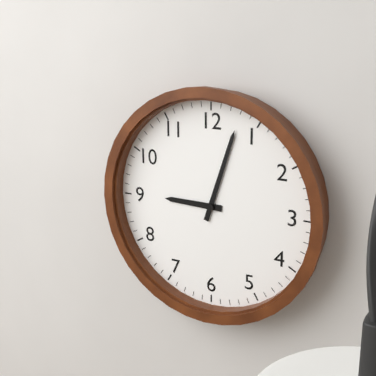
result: 9.03
